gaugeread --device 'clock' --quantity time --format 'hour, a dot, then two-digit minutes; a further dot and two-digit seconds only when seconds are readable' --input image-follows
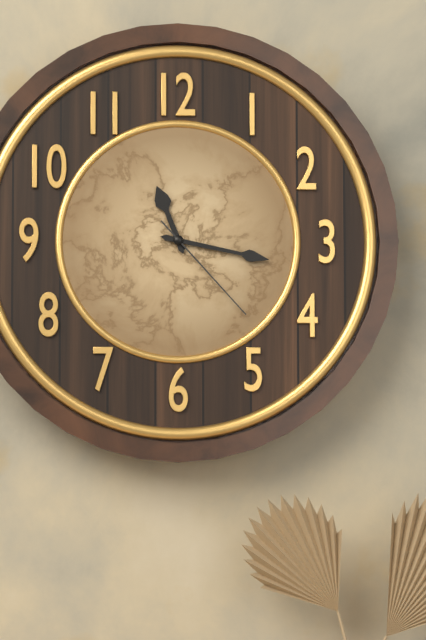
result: 11.17.23
